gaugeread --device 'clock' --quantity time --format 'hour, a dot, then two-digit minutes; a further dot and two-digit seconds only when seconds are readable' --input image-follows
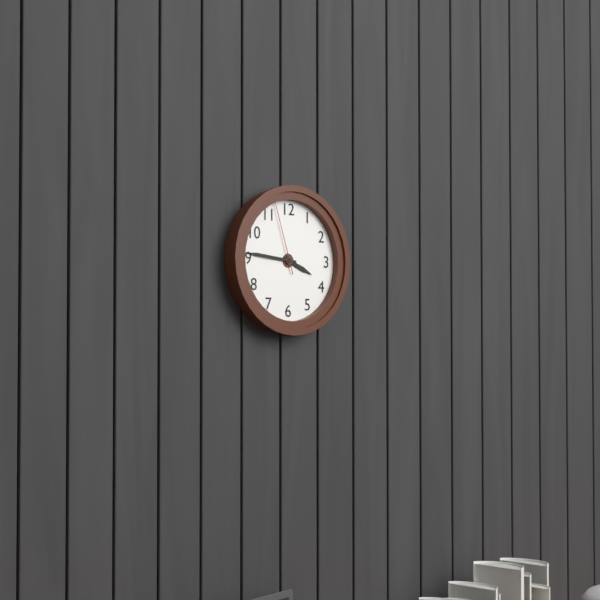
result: 3.46.57
